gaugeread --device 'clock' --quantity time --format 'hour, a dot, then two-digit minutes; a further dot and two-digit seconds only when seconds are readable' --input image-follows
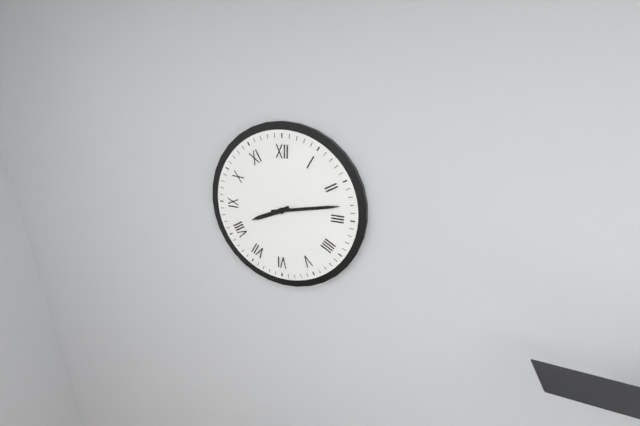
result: 8.13
